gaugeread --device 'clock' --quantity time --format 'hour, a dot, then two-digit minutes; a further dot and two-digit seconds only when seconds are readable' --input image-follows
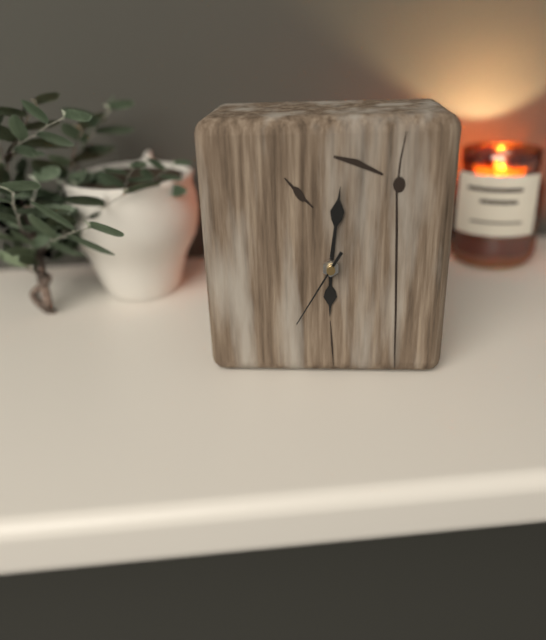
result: 6.01.35
